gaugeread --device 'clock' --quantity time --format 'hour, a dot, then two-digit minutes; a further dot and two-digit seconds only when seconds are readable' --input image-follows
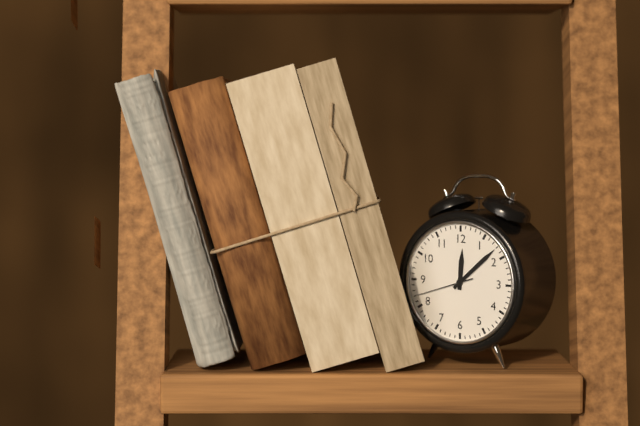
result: 12.08.42
